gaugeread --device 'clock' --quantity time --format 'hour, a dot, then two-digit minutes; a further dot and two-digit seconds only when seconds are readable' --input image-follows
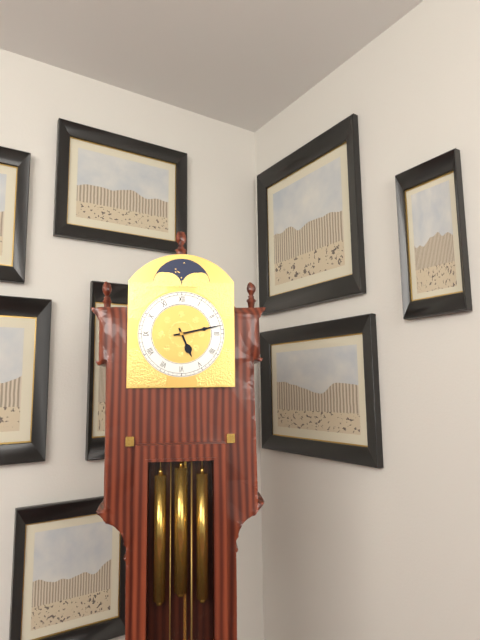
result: 5.13
